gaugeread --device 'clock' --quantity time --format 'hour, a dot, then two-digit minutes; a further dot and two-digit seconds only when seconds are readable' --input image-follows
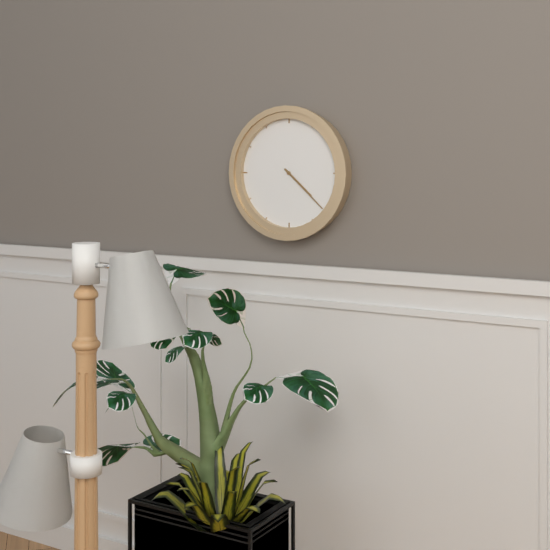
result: 4.22
